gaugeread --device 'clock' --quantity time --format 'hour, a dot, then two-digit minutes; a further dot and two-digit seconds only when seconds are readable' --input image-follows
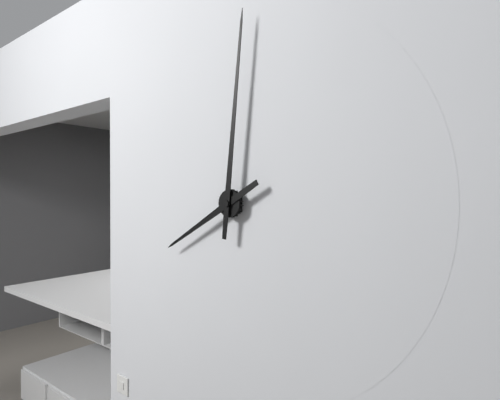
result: 8.01
